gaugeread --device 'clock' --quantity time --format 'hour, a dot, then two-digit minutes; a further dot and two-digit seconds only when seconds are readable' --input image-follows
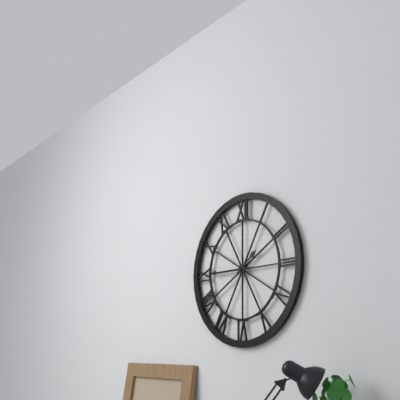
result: 1.45
